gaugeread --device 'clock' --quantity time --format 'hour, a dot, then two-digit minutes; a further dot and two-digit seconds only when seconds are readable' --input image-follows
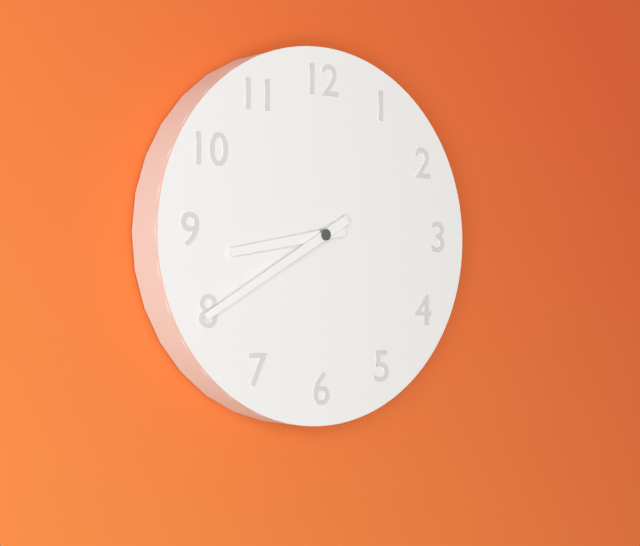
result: 8.40
